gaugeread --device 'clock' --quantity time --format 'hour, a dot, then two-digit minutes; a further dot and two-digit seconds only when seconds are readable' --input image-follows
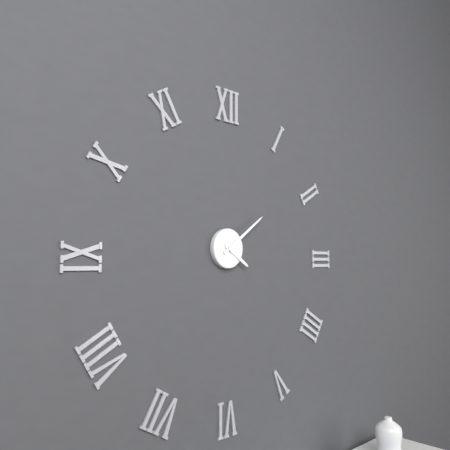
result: 4.09
